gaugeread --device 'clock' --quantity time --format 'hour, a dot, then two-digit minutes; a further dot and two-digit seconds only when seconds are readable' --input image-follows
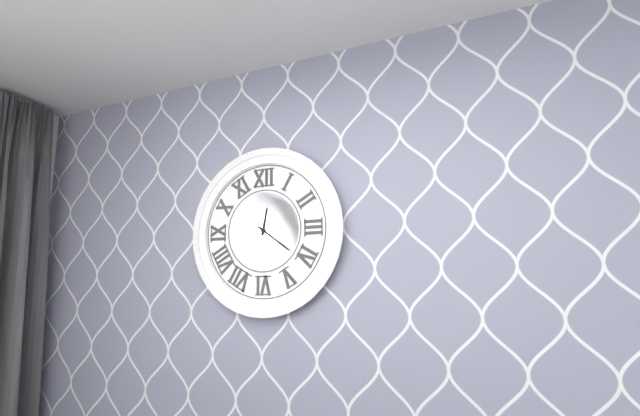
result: 12.21
